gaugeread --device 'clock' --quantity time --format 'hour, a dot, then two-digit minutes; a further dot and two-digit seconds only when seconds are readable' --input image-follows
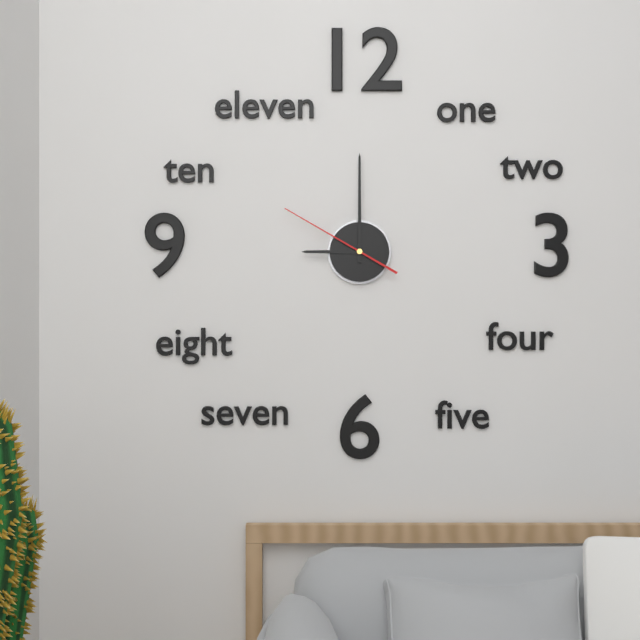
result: 9.00.50
